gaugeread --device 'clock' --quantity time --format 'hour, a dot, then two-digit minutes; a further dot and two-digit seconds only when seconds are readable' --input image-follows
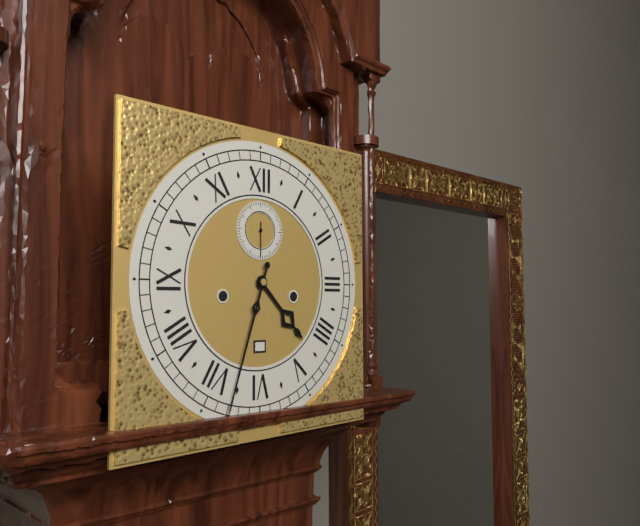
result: 4.33
